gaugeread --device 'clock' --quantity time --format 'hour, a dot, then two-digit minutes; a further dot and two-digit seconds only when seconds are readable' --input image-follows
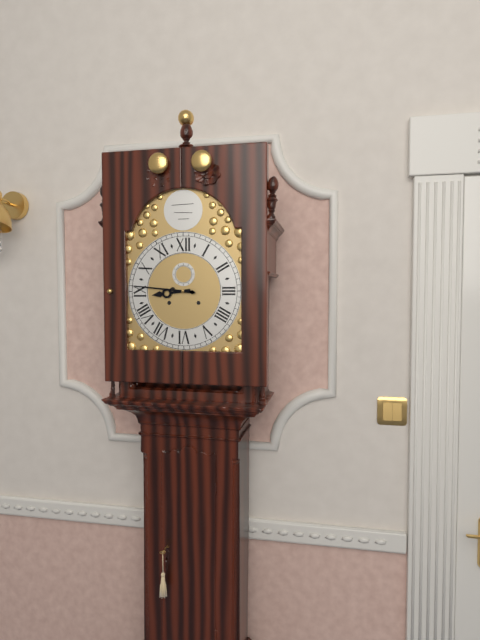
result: 8.46
